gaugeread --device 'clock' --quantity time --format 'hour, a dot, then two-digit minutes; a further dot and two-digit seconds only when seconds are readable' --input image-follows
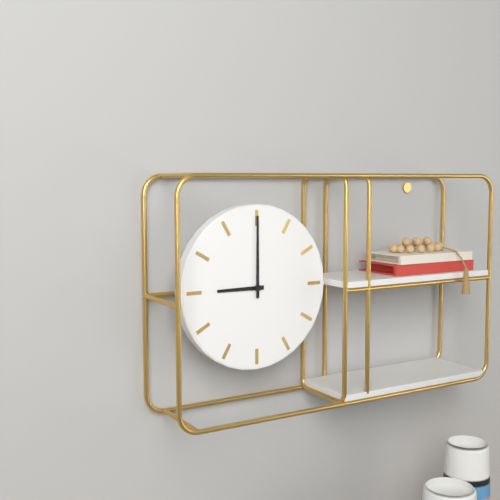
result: 9.00
